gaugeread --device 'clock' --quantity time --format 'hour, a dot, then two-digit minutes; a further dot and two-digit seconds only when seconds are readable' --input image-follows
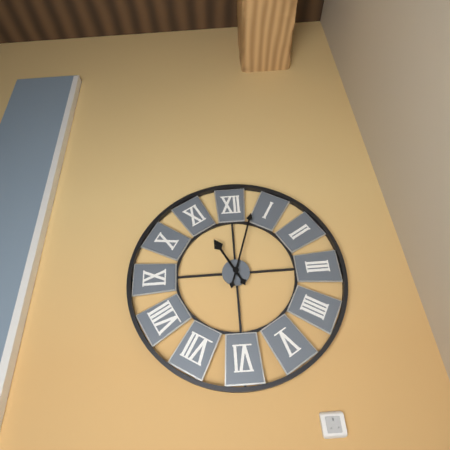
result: 11.03
